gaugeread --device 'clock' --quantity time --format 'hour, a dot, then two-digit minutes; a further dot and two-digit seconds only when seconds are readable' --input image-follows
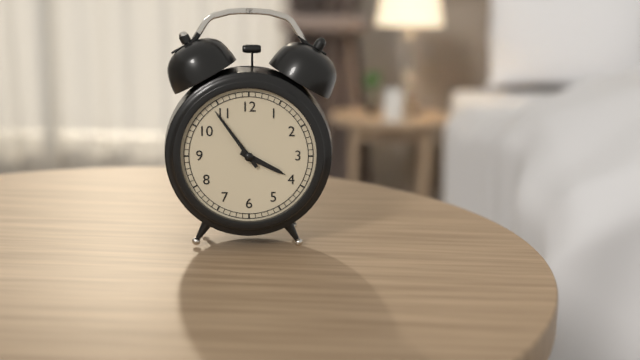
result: 3.54
